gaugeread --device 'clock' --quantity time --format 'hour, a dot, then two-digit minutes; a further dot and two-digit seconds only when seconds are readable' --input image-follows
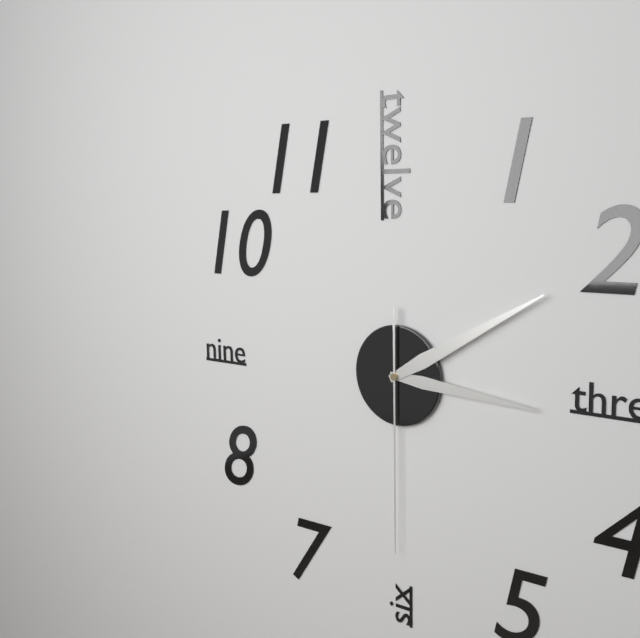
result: 3.10.30
